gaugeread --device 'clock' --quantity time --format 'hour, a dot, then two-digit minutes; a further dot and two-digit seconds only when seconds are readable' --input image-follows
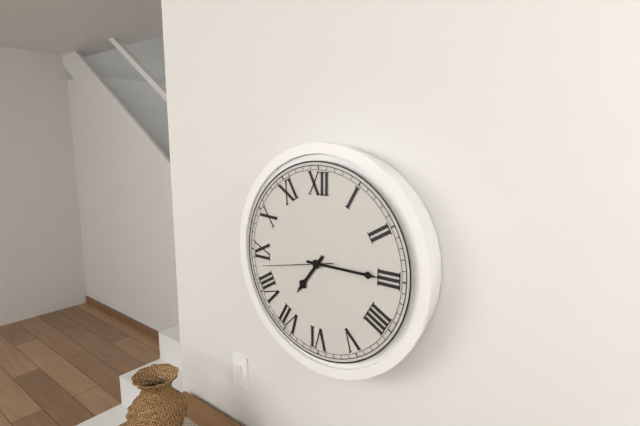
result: 7.15.43
